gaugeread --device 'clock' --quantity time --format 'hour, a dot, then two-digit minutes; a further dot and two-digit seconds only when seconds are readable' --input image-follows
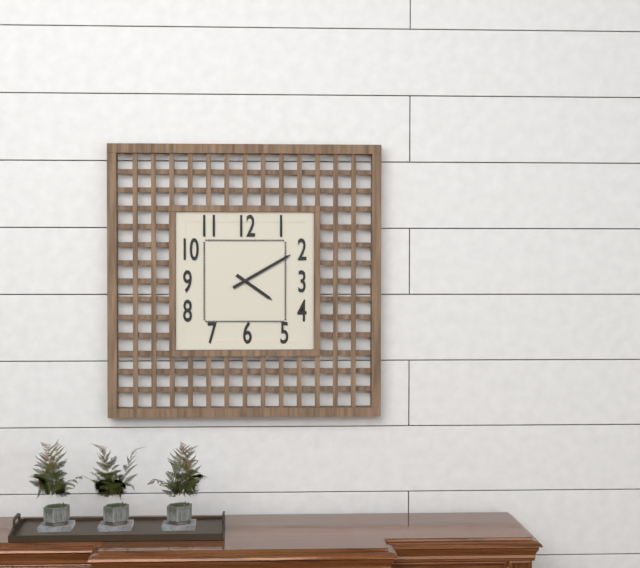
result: 4.10
